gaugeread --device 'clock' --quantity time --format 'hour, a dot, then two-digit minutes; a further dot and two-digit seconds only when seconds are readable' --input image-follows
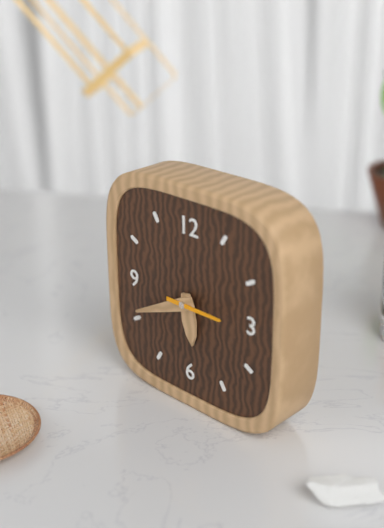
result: 5.41
